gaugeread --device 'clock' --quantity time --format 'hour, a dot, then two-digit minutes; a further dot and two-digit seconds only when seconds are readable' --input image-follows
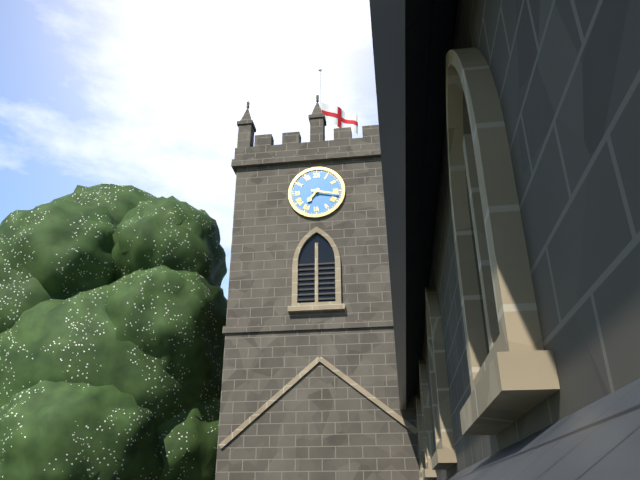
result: 7.17
